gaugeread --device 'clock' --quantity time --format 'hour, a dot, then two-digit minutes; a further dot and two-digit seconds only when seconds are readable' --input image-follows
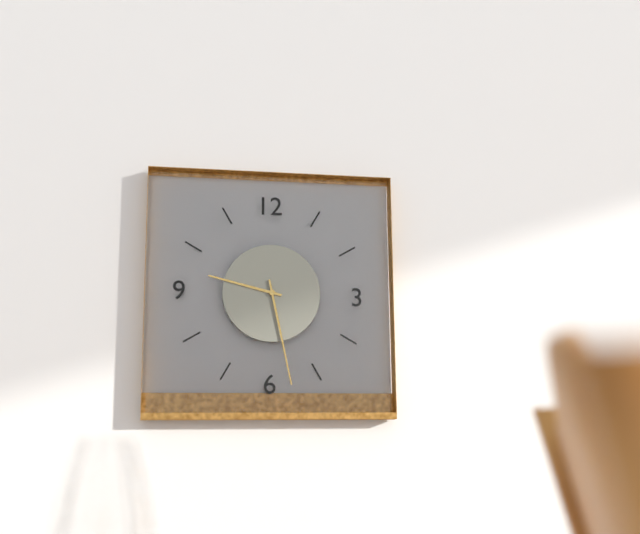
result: 9.28
